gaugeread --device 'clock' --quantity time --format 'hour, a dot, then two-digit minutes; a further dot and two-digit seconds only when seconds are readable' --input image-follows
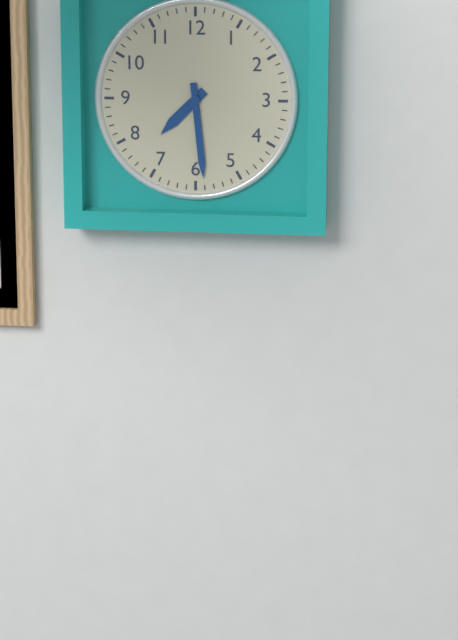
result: 7.29
